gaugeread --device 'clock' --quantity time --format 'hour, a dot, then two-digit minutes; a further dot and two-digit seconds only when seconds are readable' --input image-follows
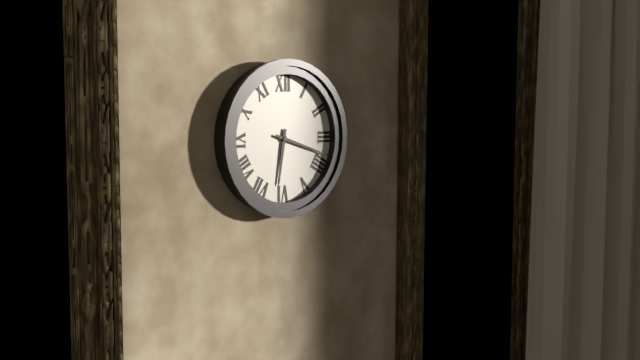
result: 6.18
